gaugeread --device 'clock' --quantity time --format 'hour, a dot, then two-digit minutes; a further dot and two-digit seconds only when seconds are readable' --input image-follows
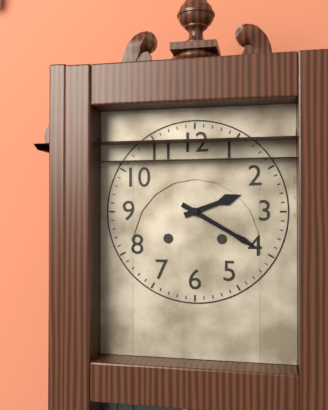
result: 2.20
